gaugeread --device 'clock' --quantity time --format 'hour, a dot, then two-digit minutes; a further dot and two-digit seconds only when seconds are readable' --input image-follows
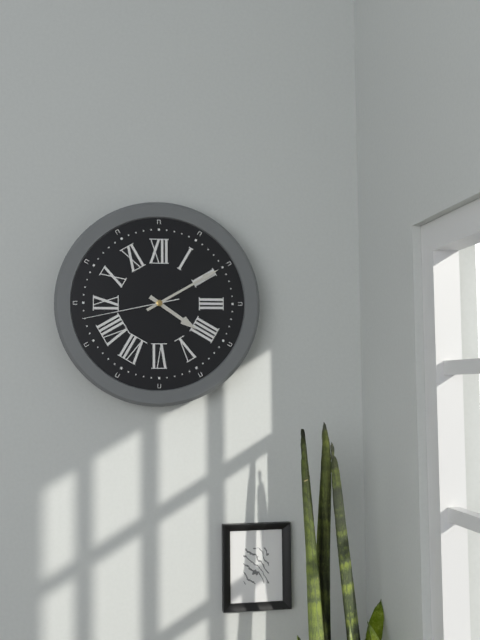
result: 4.10.43
